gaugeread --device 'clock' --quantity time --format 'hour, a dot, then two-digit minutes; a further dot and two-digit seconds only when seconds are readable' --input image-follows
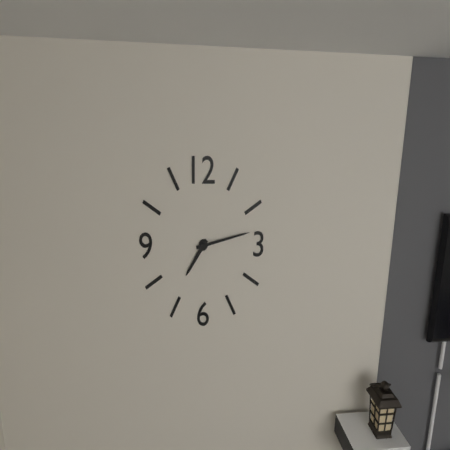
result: 7.13
